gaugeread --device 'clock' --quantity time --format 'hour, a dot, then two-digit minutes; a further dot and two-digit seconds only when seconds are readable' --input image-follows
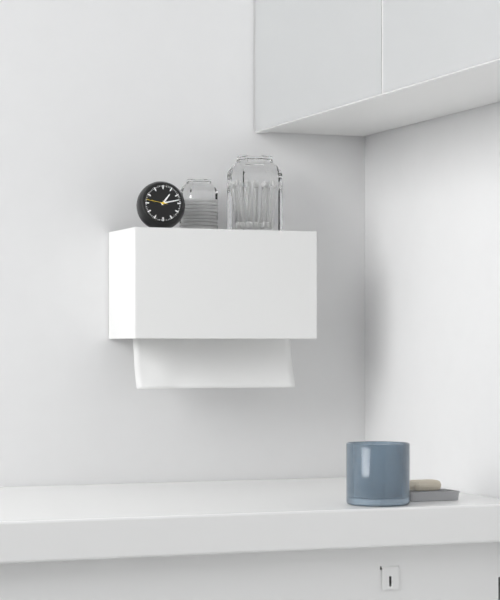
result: 1.13
